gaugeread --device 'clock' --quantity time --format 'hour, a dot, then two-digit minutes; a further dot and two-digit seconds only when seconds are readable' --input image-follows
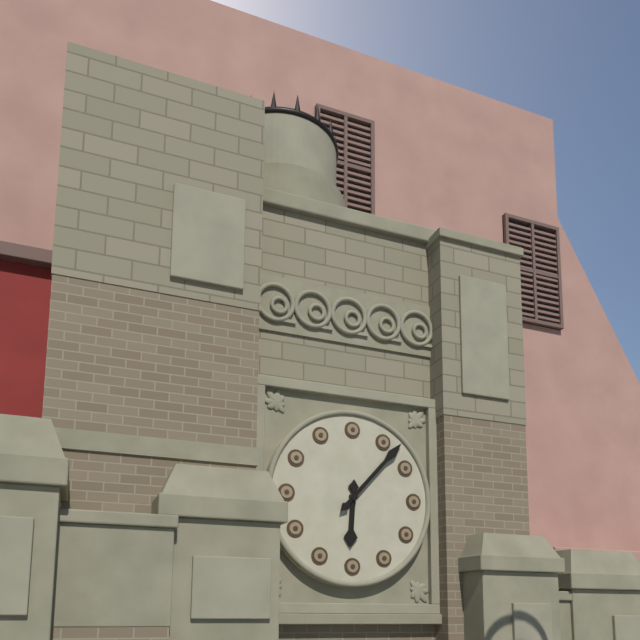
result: 6.07
